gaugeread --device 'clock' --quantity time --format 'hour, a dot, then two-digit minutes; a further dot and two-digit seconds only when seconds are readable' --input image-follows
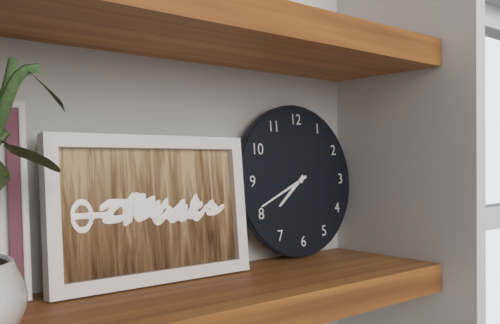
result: 7.41
